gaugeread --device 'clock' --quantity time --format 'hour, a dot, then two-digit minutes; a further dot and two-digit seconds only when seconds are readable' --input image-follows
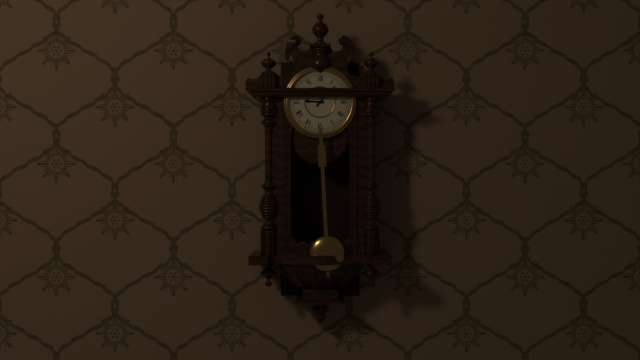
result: 9.07
